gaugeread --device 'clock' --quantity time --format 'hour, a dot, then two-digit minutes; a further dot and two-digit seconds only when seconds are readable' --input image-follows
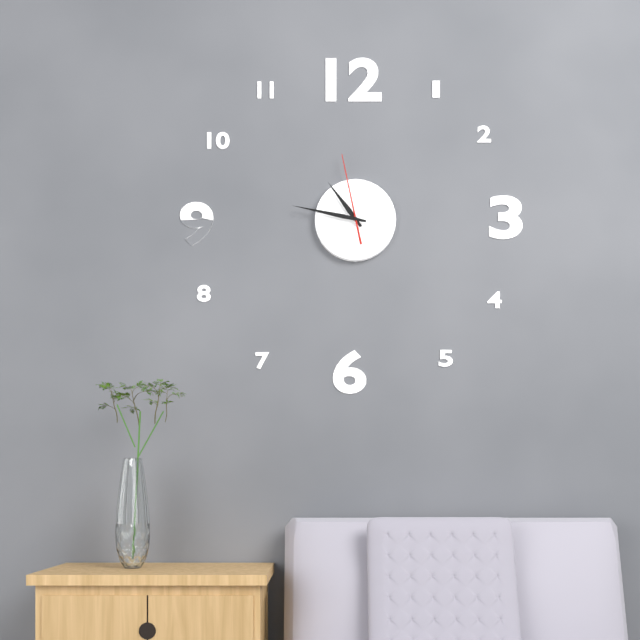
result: 10.47.58
